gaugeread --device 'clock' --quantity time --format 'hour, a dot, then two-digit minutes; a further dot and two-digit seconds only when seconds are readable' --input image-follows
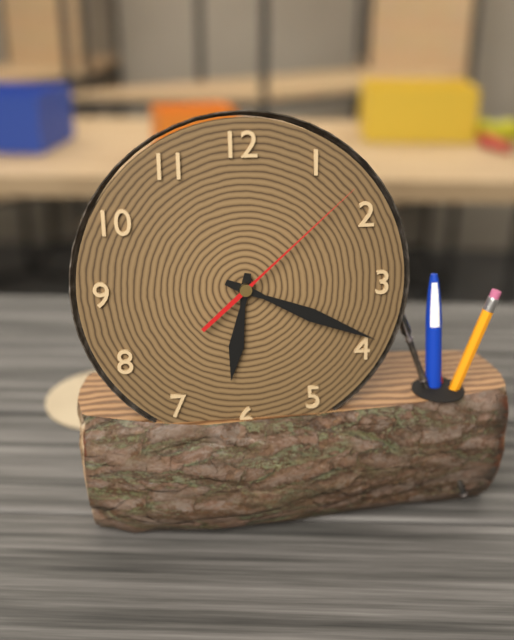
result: 6.19.08
